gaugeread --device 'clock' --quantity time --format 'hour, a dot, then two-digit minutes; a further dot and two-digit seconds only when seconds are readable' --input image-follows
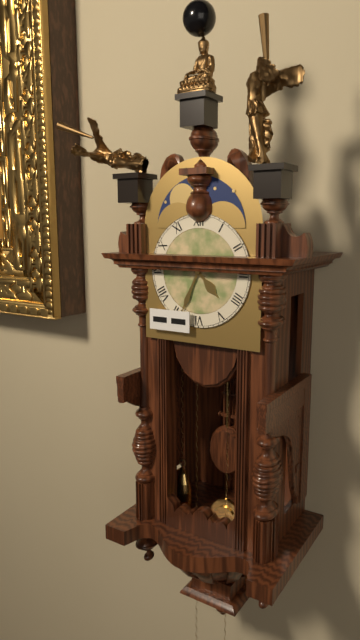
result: 4.34
